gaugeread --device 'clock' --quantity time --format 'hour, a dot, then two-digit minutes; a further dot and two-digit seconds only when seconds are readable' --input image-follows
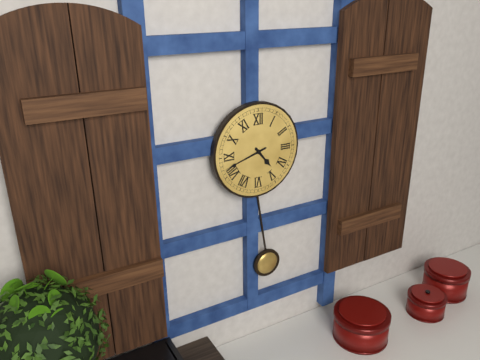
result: 4.42
